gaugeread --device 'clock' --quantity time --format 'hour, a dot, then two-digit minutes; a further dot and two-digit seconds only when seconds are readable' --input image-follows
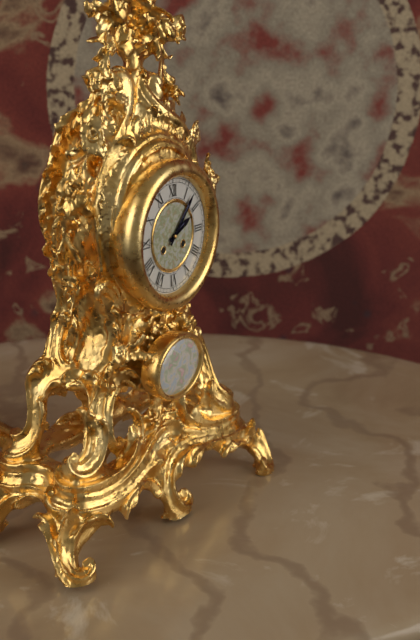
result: 2.07
